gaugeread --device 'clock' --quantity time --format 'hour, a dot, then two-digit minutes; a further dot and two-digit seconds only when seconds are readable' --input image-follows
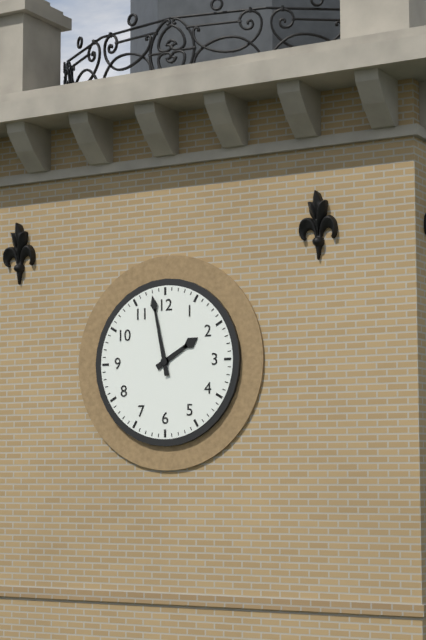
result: 1.58
